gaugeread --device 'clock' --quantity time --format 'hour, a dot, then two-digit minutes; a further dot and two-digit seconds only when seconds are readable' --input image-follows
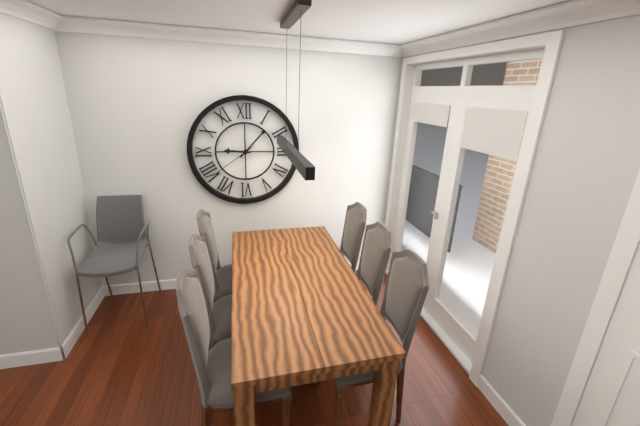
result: 9.07
